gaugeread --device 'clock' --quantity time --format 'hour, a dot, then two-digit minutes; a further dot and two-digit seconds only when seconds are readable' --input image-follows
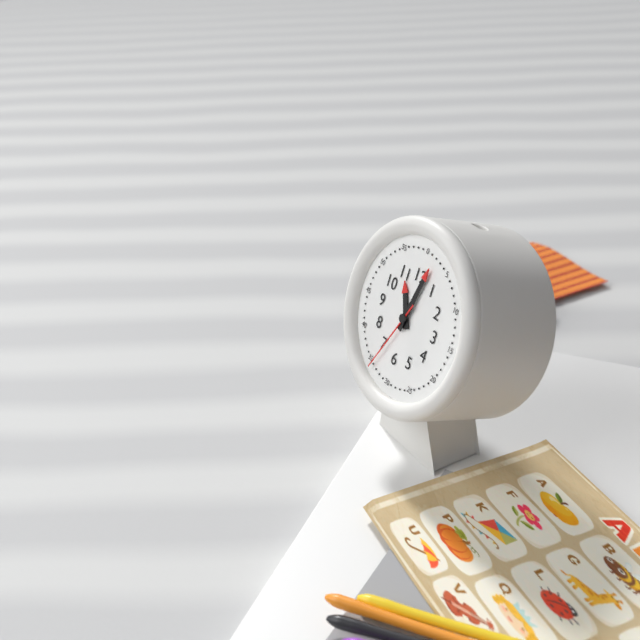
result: 11.02.34
